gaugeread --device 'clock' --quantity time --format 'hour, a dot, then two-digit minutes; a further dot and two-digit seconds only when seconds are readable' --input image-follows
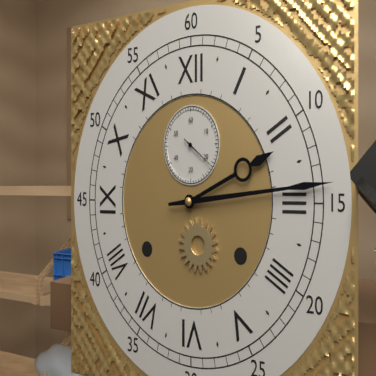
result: 2.14
